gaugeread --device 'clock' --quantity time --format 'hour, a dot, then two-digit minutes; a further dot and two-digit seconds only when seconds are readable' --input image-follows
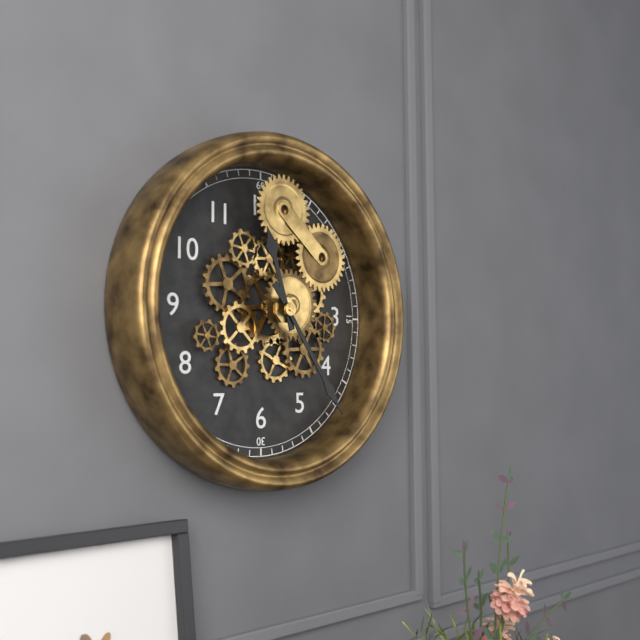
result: 11.24
